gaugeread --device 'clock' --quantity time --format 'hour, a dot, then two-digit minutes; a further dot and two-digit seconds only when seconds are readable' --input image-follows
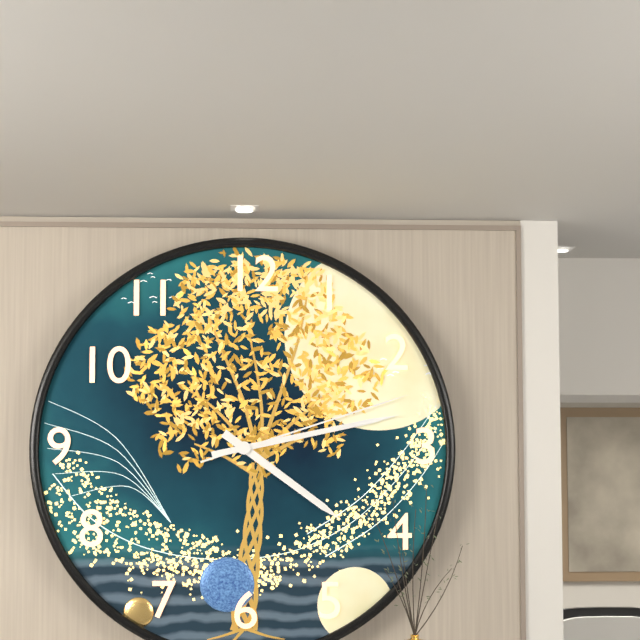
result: 4.13.12
